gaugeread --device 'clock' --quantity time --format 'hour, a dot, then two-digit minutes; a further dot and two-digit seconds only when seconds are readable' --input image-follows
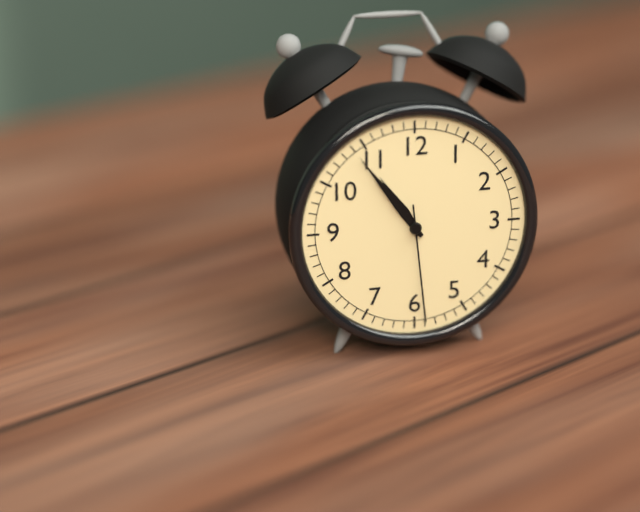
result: 10.54.29
